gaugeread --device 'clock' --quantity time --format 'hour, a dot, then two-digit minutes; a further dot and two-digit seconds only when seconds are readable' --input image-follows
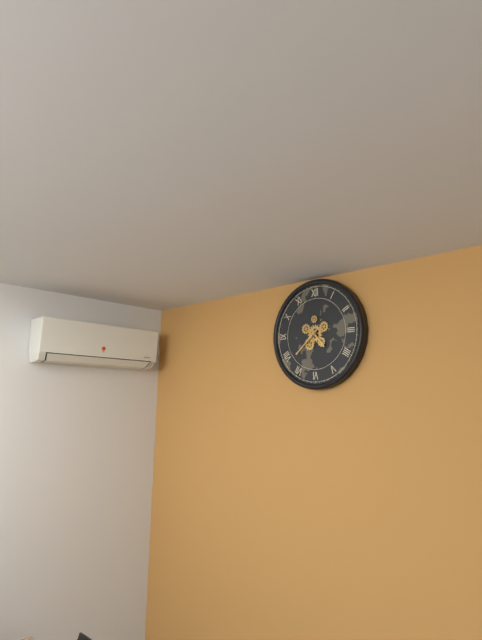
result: 4.38
